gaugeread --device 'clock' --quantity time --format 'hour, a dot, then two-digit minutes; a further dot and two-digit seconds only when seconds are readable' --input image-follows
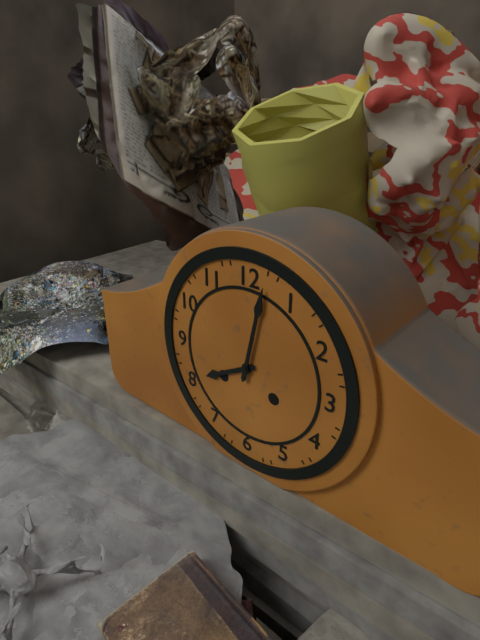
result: 8.02
